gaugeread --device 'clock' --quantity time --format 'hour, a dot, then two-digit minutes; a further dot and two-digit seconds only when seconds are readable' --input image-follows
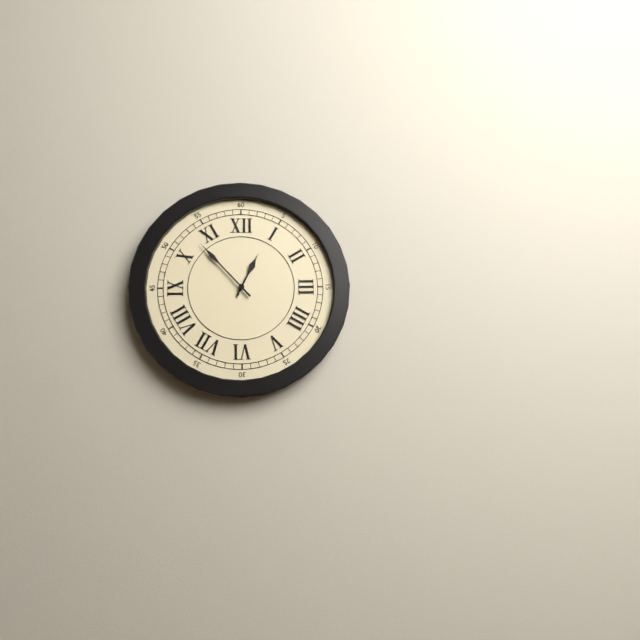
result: 12.53
